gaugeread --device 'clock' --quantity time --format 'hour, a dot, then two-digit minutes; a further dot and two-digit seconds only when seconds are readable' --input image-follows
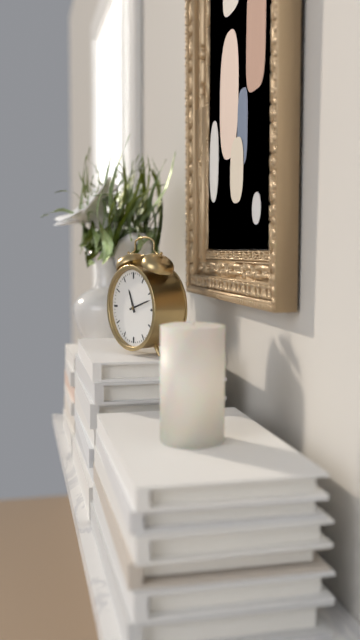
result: 11.12
